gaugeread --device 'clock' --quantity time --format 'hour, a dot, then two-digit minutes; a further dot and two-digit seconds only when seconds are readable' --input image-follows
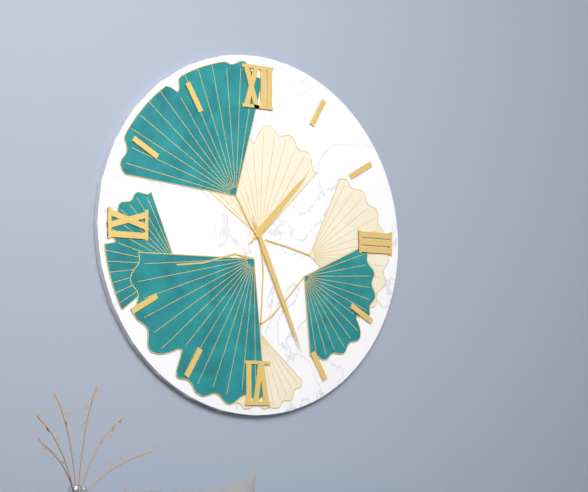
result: 1.26
